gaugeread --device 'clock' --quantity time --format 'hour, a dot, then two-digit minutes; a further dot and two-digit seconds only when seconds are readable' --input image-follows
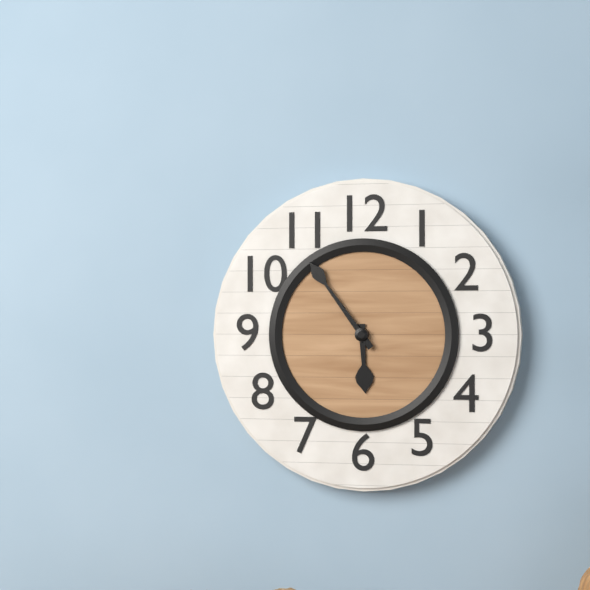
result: 5.54
